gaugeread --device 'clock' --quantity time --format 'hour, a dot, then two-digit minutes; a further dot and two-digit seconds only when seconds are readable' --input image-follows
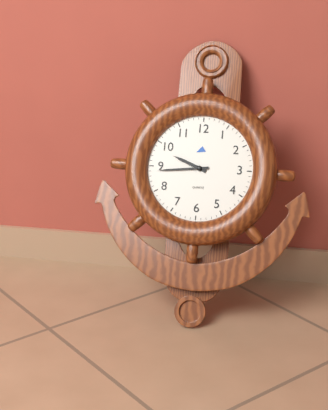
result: 9.44
